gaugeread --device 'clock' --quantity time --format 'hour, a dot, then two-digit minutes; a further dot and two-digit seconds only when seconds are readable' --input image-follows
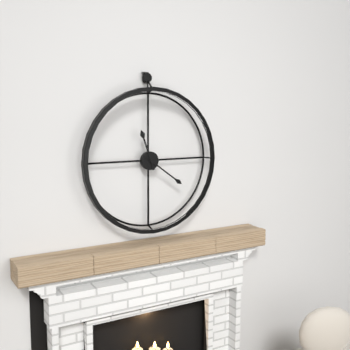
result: 11.21
